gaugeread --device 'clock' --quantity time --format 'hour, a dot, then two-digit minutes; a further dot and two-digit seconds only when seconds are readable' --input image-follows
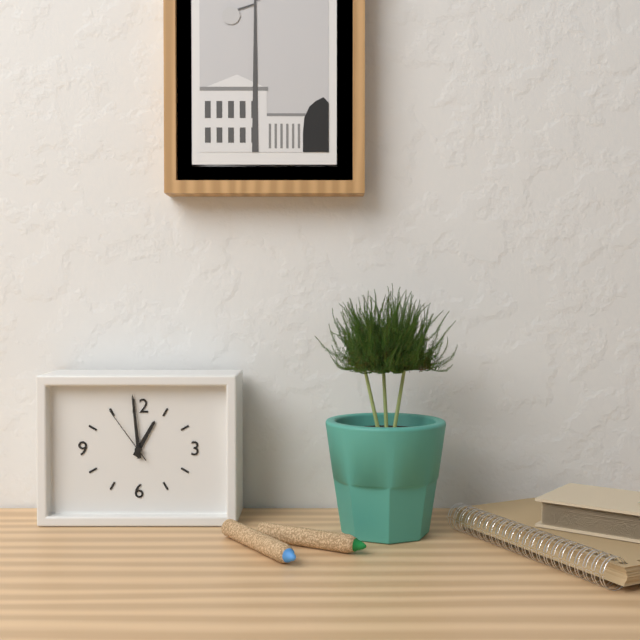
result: 12.59.54
